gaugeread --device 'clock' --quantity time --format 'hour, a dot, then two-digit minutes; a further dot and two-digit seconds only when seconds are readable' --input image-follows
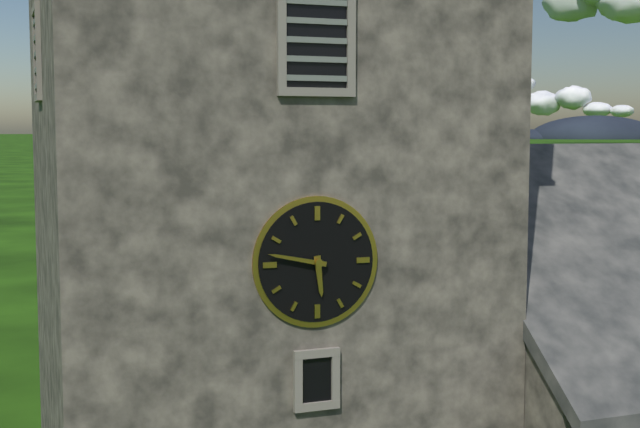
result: 5.47
